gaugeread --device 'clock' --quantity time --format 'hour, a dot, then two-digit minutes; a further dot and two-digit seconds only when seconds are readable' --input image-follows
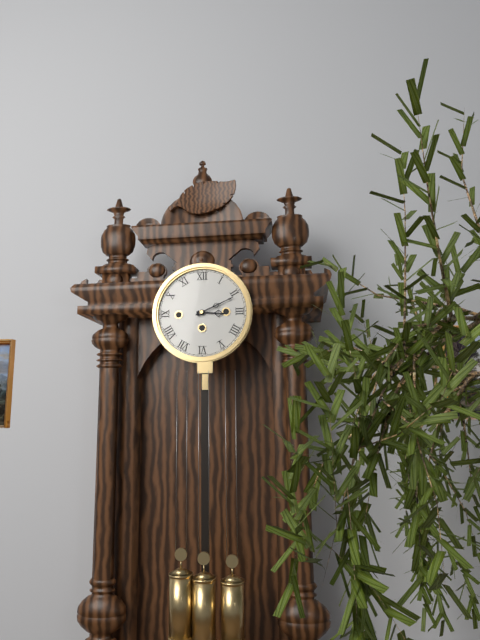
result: 3.11
